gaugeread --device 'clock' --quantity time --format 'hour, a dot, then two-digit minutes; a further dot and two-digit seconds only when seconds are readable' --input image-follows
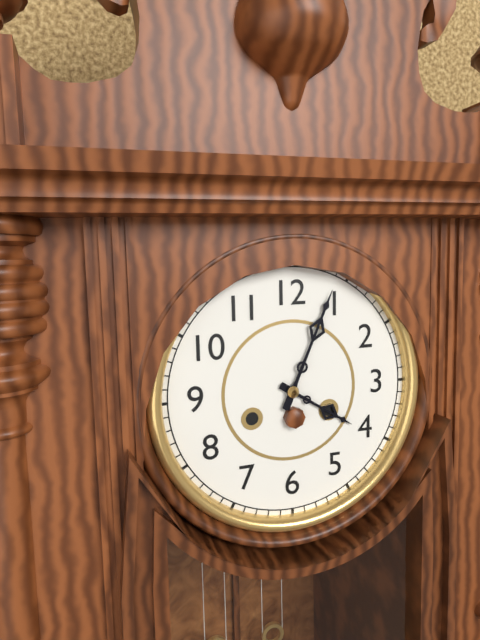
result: 4.04
